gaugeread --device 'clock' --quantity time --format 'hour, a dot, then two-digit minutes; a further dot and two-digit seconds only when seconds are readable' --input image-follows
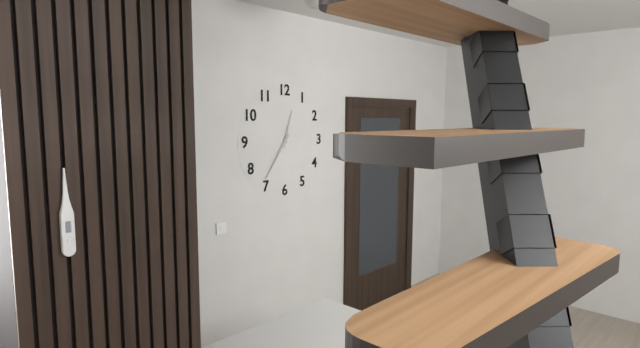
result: 12.36
